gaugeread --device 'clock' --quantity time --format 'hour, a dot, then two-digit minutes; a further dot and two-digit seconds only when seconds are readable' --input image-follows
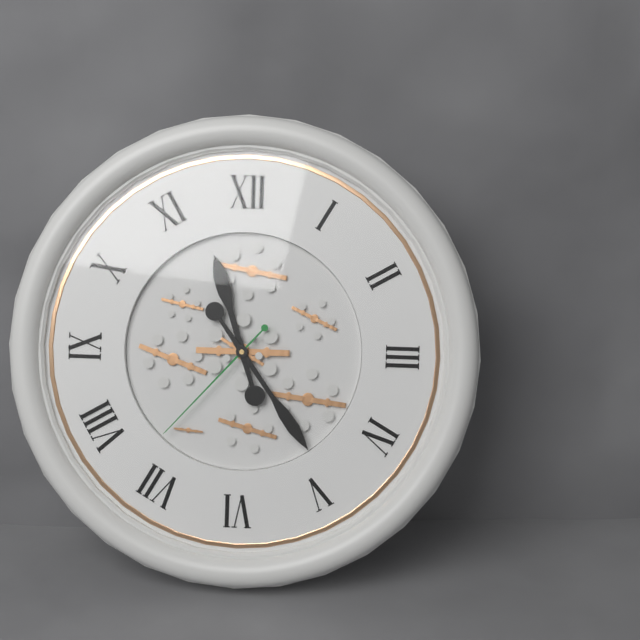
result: 11.24.37
